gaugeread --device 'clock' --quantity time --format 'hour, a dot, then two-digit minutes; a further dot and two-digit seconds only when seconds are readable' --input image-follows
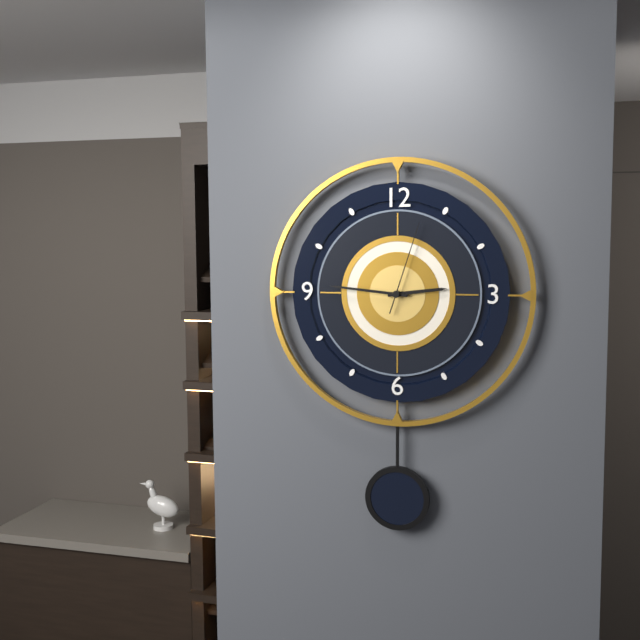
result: 2.46.03
